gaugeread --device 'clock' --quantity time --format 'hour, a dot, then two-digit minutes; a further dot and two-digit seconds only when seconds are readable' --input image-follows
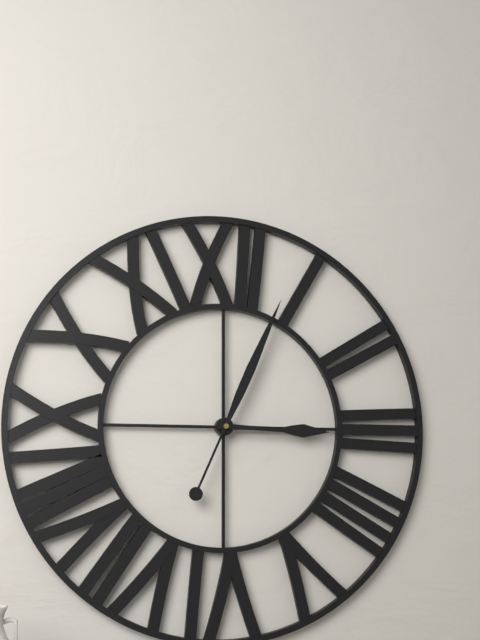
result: 3.04
